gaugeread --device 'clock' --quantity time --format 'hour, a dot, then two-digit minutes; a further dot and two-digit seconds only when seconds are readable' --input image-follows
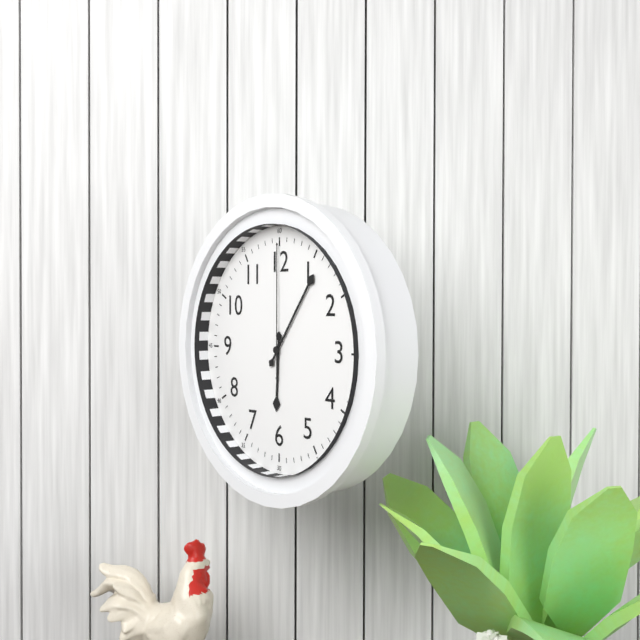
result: 6.06.00
